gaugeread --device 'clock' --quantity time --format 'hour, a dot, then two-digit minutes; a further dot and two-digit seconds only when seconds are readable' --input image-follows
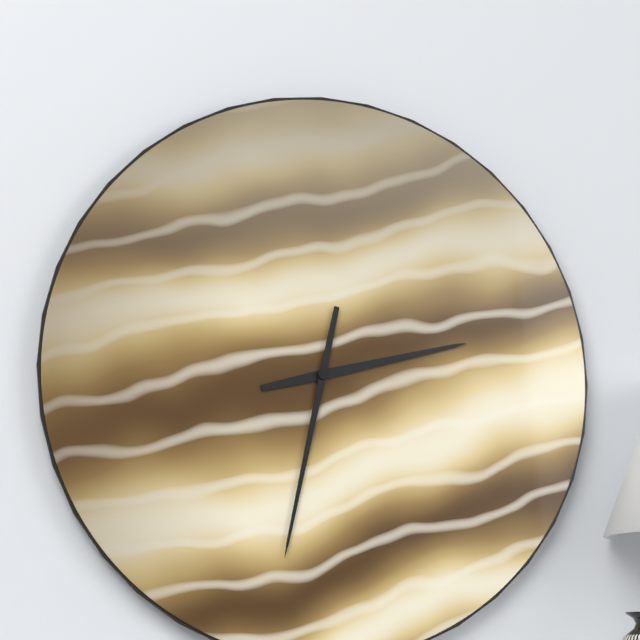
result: 2.32
